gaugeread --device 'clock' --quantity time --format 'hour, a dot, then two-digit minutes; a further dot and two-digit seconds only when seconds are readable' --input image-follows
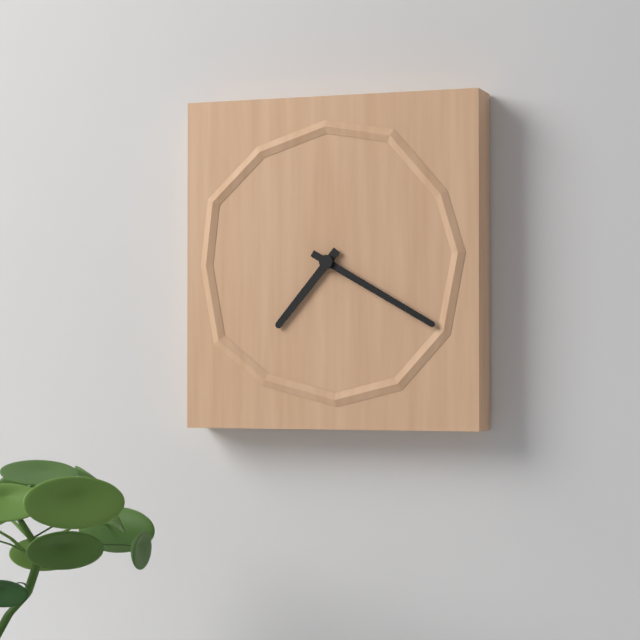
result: 7.20
